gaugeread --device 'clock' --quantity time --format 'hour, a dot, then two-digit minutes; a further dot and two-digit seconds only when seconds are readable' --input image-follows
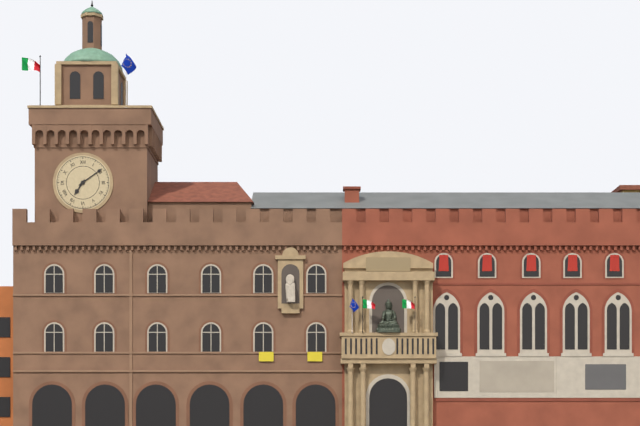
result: 7.09
